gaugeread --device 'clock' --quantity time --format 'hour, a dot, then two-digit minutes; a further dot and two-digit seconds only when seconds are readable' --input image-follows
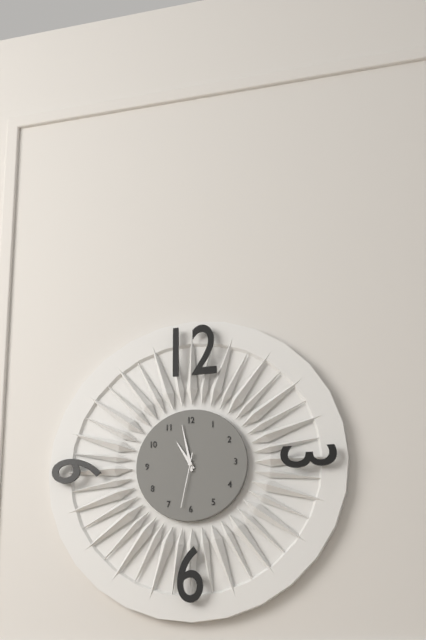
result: 10.58.32
